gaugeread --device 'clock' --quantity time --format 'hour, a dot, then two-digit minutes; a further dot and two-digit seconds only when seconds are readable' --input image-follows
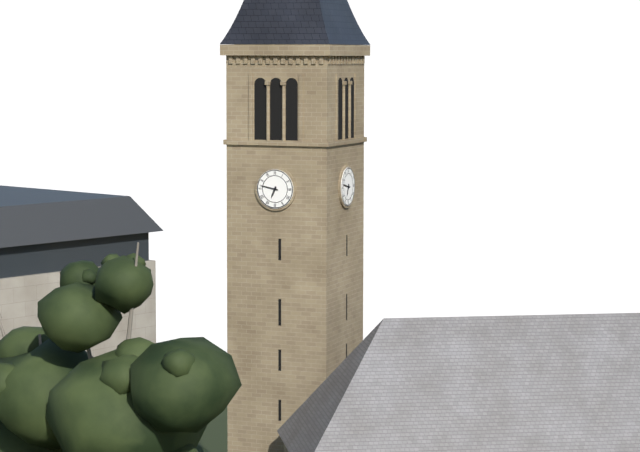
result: 6.47
